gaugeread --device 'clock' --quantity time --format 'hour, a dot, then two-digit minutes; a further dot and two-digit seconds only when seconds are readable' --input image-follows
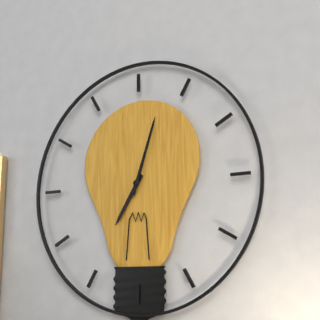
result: 7.03
